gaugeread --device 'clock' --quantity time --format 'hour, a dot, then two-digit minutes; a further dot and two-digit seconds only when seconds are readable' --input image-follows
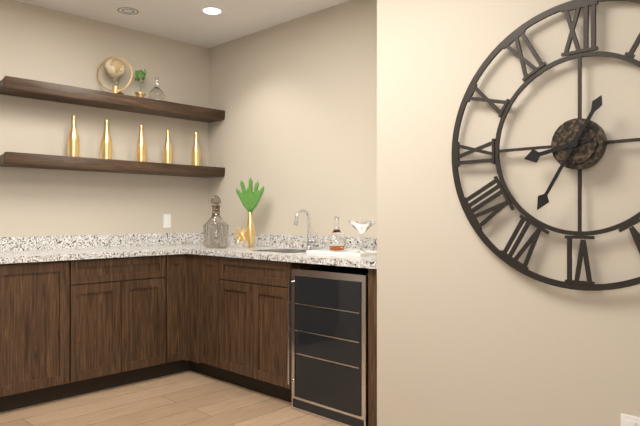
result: 8.35
